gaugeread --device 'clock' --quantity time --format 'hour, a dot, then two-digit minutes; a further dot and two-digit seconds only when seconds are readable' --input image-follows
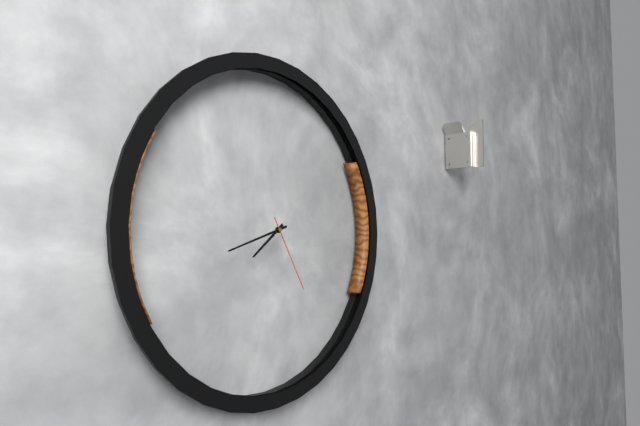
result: 7.42.25
